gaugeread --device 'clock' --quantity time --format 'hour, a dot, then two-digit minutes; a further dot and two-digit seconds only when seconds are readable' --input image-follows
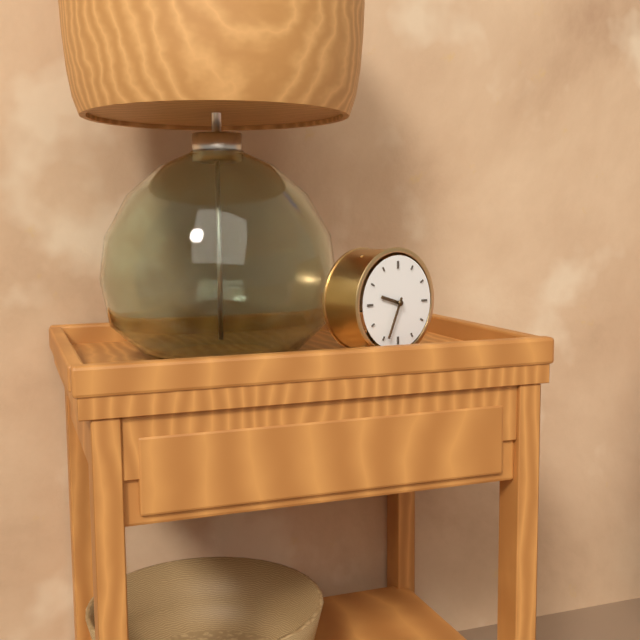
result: 9.34
